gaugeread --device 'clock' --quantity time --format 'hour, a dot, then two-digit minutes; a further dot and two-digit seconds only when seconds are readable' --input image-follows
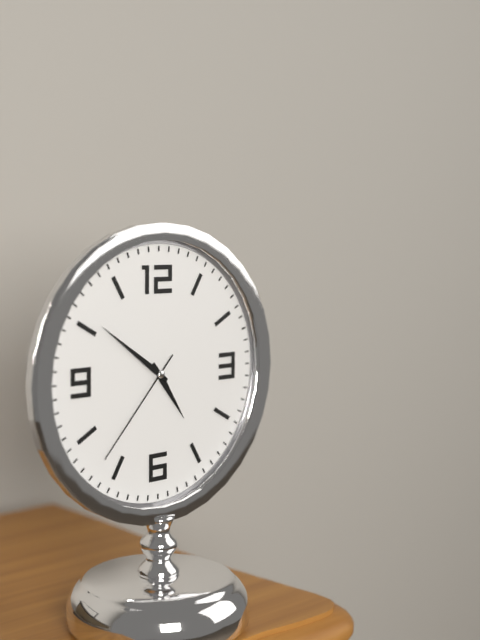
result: 4.51.37
